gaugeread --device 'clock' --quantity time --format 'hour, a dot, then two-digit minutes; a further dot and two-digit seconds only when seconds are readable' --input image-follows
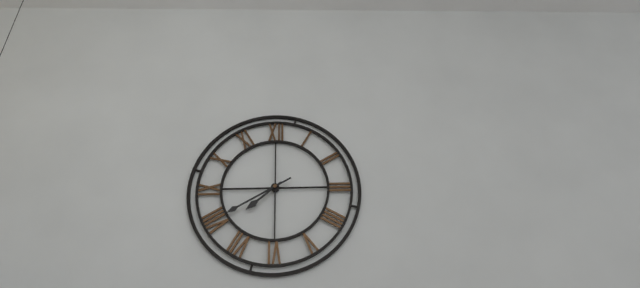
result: 7.40
